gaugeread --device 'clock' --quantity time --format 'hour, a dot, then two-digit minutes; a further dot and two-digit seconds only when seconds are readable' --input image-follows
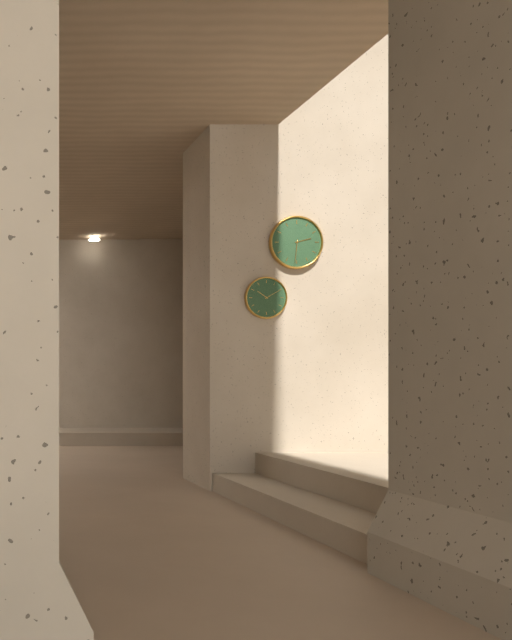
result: 2.31
